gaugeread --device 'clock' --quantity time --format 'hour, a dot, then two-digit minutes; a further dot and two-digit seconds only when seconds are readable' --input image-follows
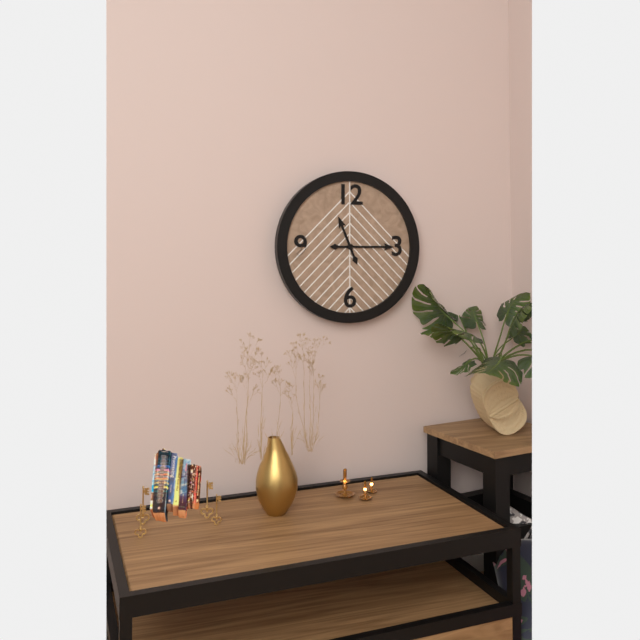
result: 11.15
